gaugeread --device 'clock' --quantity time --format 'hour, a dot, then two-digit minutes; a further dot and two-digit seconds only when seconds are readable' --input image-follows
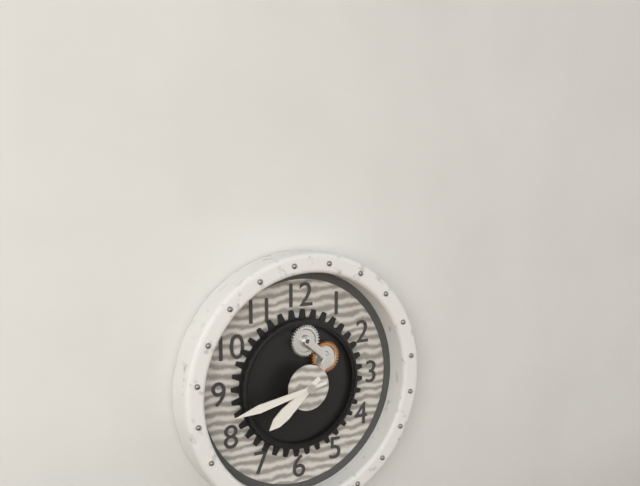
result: 7.43
